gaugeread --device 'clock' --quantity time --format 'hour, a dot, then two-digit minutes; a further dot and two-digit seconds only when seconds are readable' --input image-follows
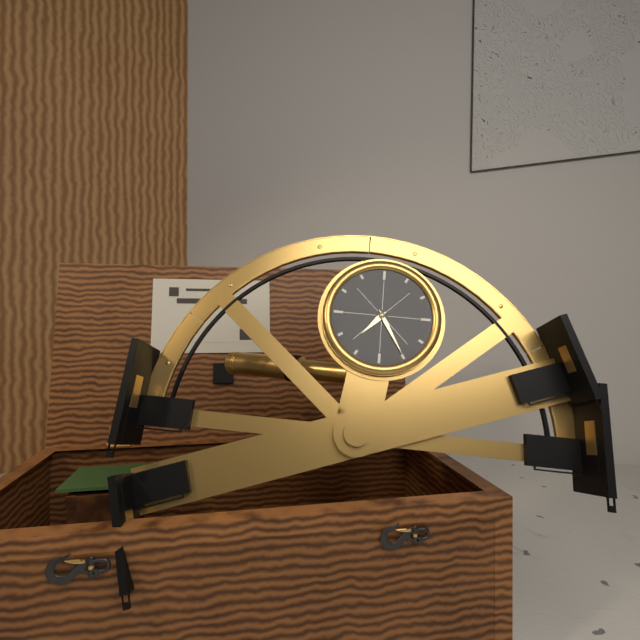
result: 7.25
